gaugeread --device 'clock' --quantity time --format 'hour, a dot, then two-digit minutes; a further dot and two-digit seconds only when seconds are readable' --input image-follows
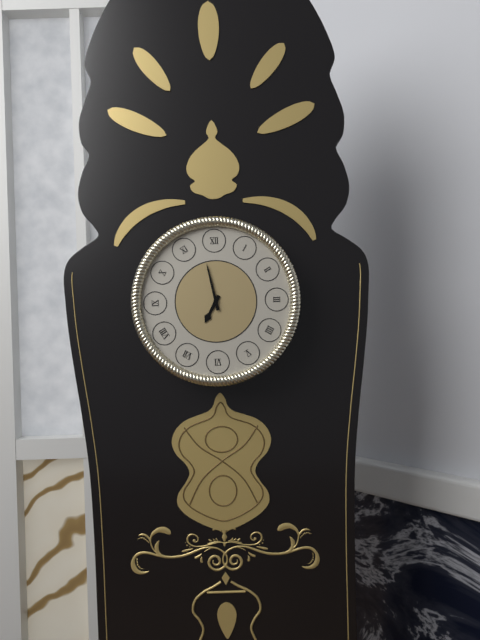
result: 6.58
